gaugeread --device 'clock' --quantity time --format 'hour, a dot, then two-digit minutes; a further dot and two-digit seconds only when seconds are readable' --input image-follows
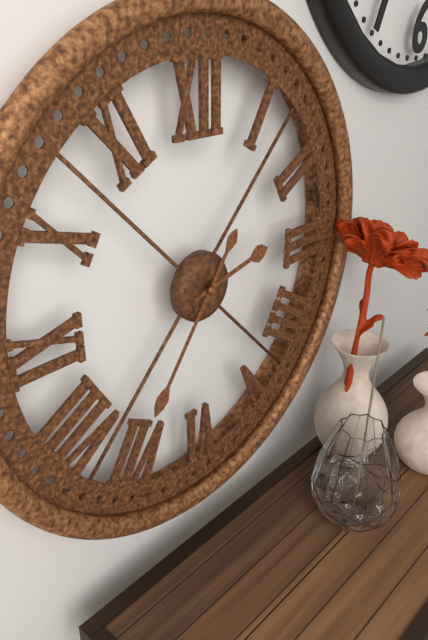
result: 2.36
